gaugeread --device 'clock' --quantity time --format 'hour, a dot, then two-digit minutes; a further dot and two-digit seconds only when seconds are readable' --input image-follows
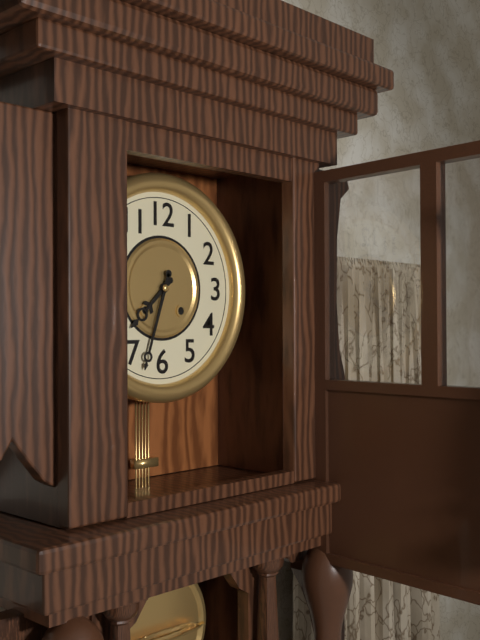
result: 7.33
